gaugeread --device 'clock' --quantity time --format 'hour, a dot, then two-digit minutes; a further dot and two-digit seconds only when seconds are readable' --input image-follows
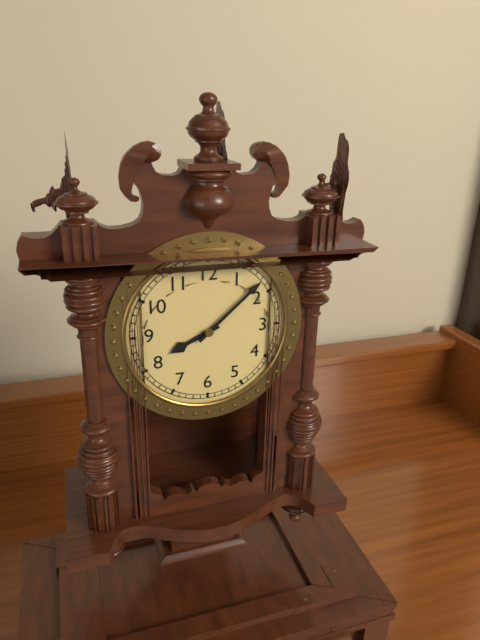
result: 8.08
